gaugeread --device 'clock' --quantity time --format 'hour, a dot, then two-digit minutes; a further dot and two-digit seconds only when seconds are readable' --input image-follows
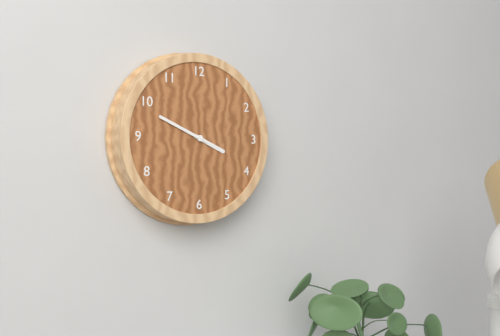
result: 3.49
